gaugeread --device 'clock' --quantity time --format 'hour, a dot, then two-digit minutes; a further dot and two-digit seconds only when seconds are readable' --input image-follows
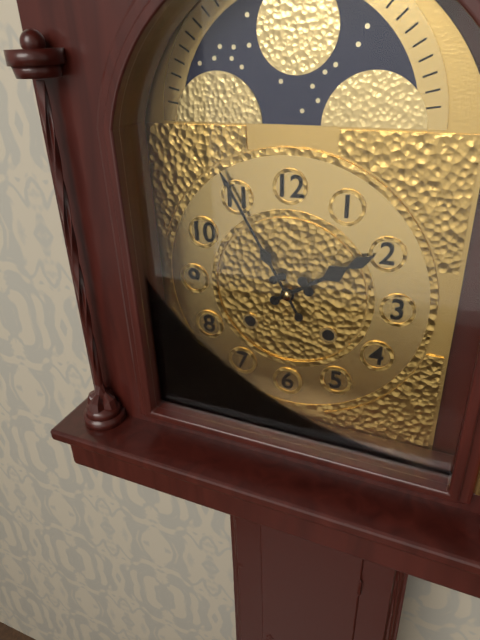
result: 1.55
